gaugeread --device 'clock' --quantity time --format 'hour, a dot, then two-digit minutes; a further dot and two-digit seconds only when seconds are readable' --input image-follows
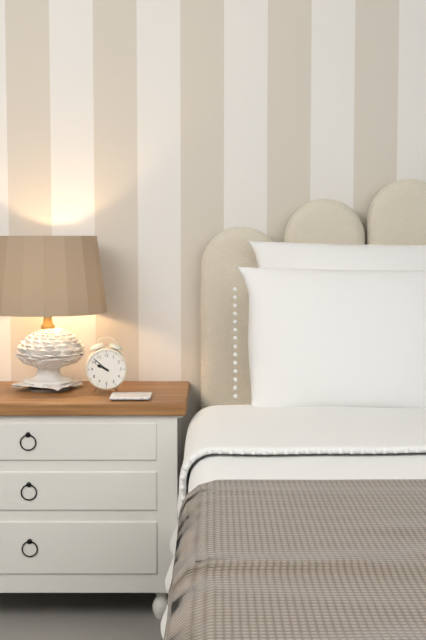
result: 9.52
